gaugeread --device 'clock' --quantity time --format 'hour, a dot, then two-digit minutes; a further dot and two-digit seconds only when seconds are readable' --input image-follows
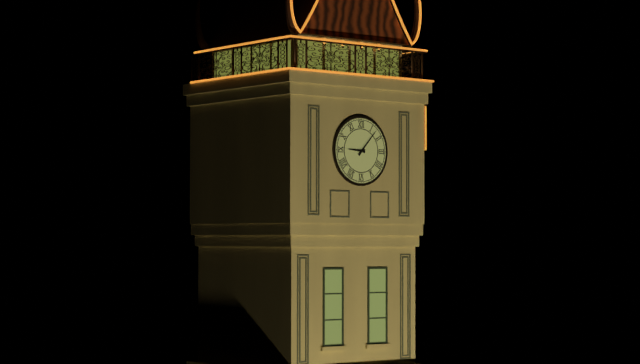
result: 9.07
